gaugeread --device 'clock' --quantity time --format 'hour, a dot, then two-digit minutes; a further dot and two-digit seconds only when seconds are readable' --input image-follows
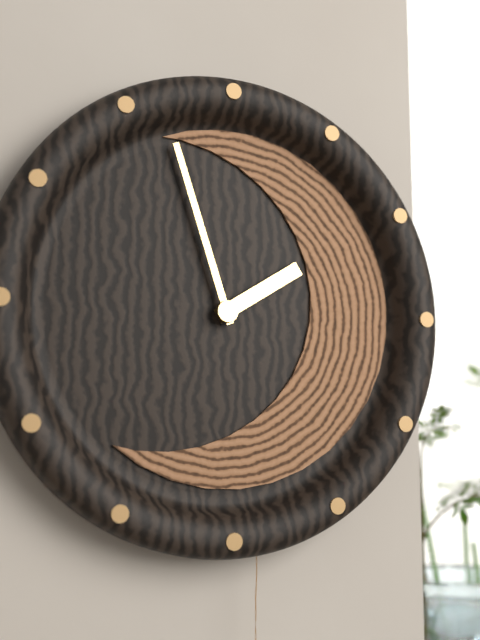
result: 1.57
